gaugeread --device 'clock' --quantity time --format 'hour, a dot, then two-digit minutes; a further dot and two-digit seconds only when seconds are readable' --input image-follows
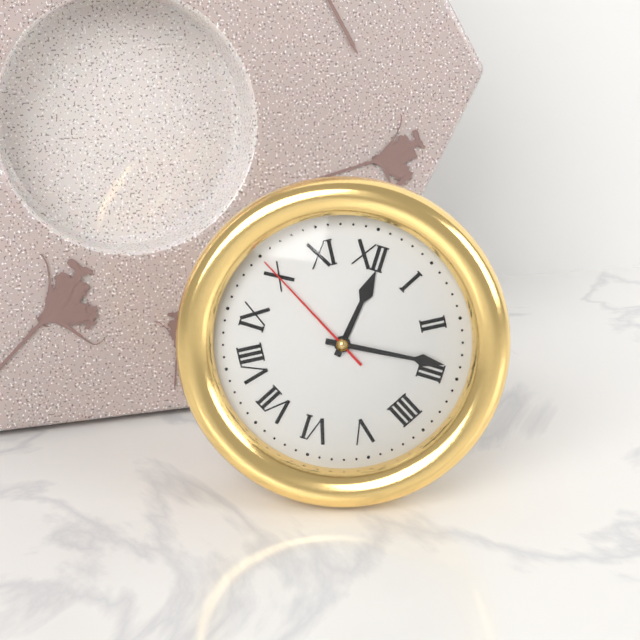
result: 12.14.50
